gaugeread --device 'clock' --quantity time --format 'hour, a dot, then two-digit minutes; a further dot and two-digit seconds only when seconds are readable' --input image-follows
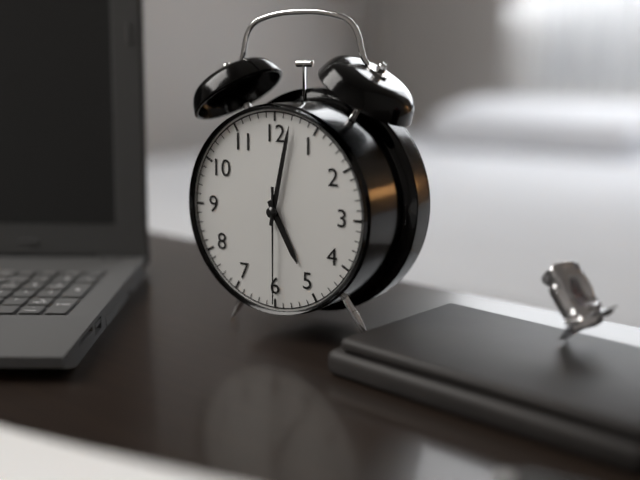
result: 5.02.30
